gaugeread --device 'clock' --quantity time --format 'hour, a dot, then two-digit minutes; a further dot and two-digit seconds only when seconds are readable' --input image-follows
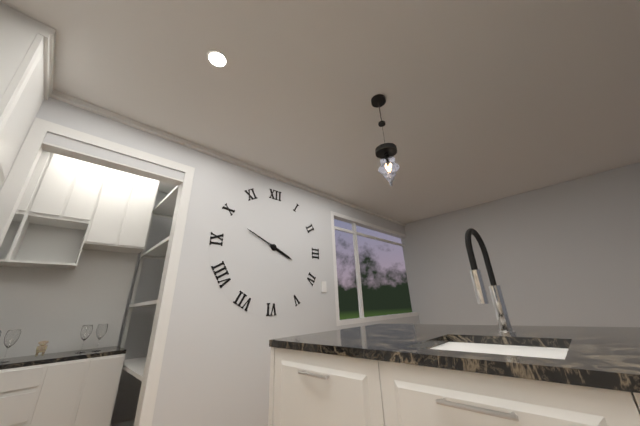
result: 3.49
